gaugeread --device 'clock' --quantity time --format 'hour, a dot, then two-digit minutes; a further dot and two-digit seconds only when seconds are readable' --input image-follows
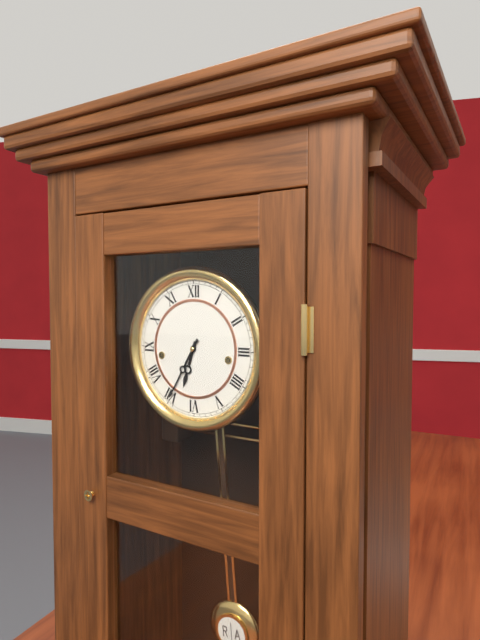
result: 6.35
